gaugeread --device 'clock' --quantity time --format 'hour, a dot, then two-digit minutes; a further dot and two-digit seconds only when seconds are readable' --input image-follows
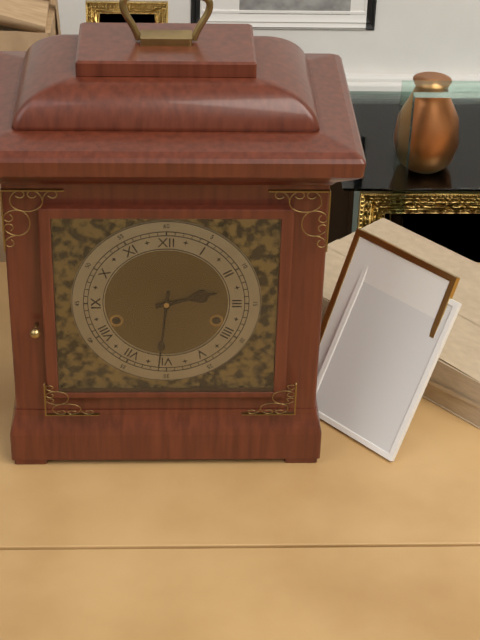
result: 2.31
